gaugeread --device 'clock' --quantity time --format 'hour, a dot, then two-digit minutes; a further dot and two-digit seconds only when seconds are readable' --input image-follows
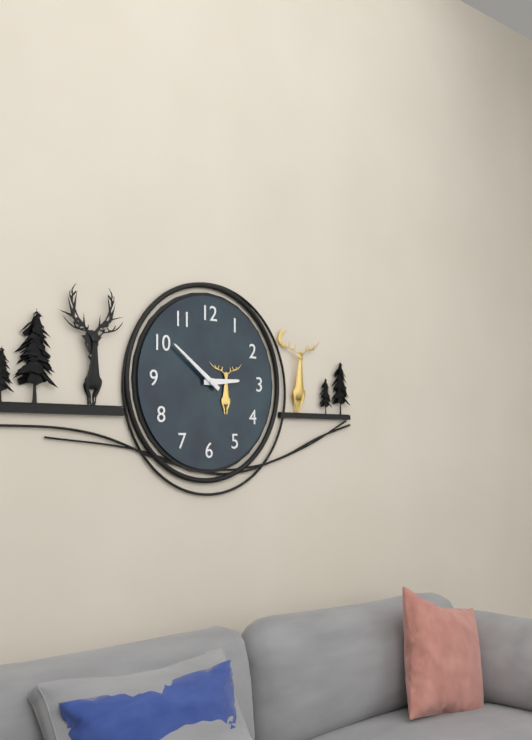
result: 2.51
